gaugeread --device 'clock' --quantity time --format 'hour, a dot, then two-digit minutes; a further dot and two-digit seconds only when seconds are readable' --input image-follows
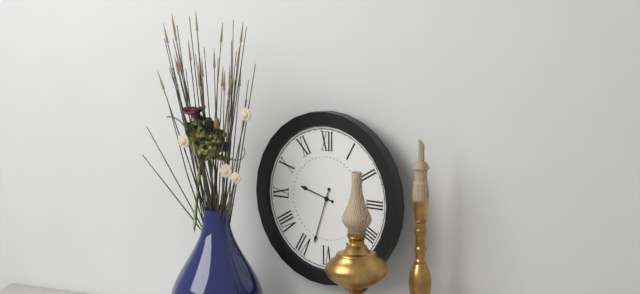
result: 9.33
